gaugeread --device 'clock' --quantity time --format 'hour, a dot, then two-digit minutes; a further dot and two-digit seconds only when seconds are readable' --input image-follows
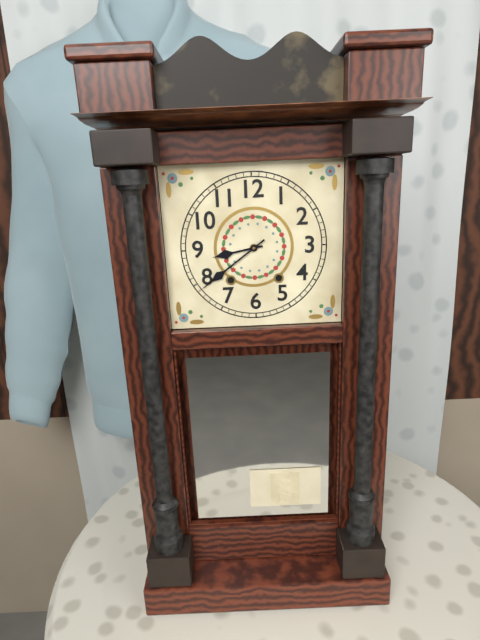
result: 8.39
